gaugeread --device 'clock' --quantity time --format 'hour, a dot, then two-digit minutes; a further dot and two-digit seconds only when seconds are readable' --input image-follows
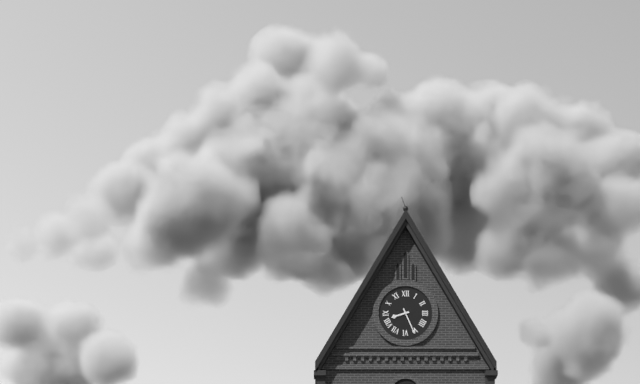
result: 8.26
